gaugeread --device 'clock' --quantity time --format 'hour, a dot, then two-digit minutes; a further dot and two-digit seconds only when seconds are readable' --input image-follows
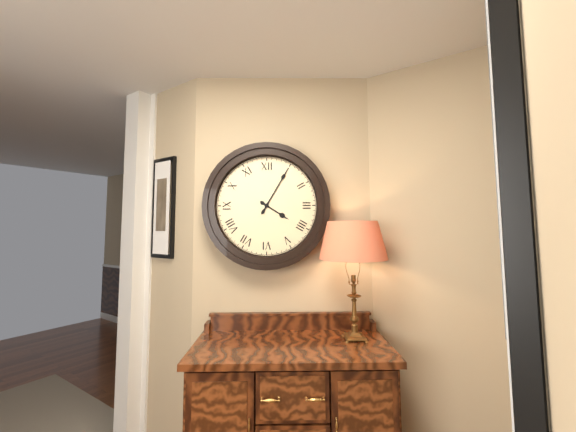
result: 4.05
